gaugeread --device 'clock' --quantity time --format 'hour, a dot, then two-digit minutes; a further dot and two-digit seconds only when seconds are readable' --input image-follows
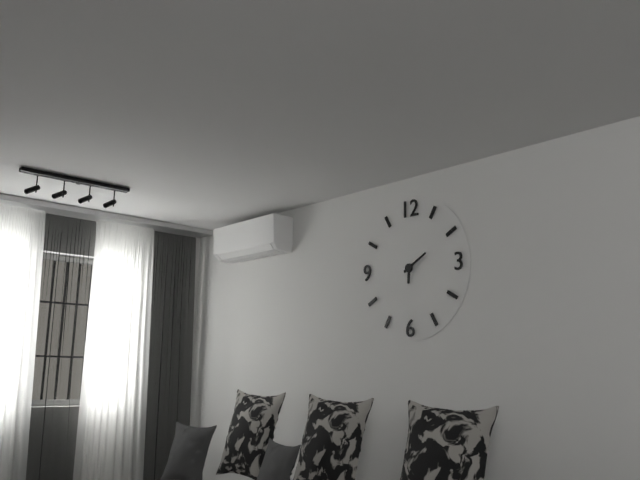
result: 6.10
